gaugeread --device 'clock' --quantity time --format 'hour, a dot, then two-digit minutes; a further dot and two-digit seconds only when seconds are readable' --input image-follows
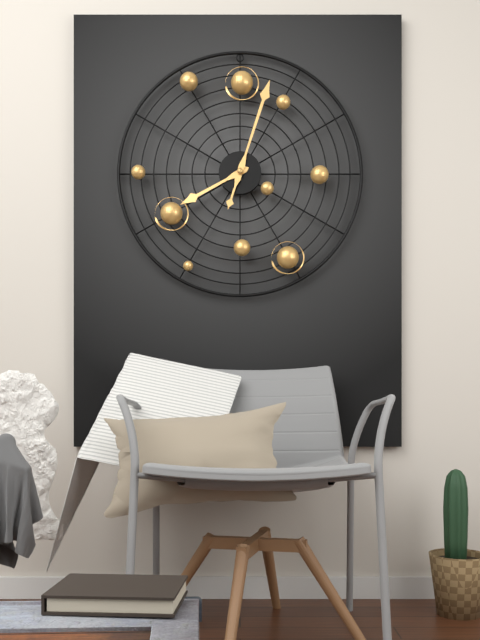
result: 8.03
